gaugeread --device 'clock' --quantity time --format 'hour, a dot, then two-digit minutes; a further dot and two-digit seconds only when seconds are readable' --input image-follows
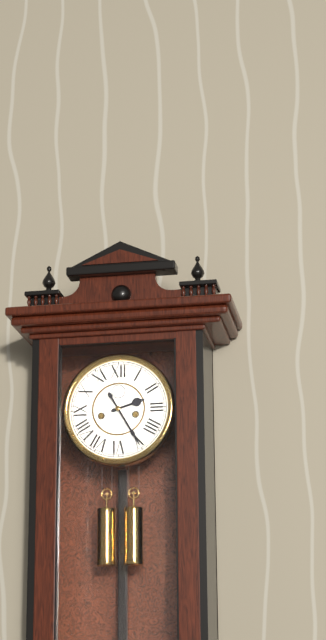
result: 2.25
